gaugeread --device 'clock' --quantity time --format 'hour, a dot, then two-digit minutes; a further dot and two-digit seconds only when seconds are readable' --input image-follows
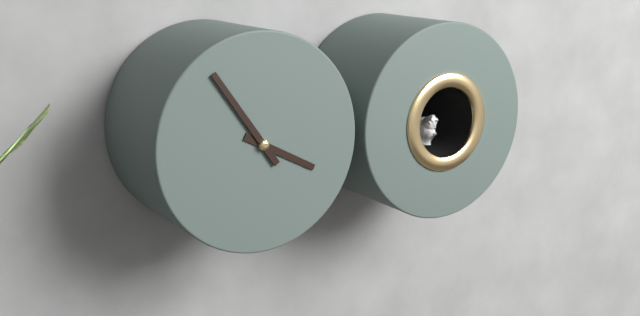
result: 3.54
